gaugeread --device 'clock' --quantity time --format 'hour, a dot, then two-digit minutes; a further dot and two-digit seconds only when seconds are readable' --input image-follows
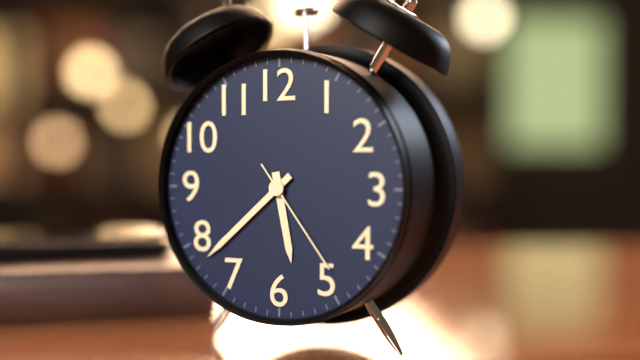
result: 5.38.24
